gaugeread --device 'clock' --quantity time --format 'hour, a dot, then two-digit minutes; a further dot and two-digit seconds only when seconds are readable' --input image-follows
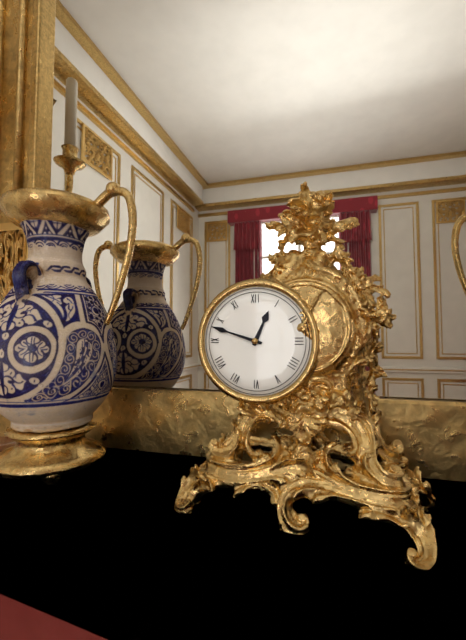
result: 12.48
